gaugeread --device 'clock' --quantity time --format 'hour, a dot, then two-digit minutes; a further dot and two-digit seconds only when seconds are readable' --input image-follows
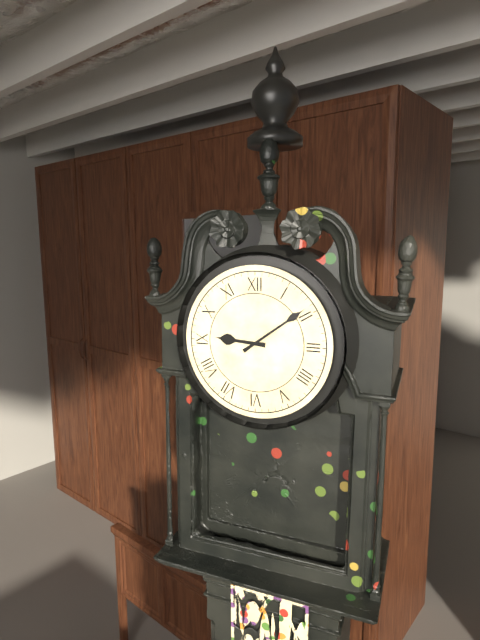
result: 9.09
